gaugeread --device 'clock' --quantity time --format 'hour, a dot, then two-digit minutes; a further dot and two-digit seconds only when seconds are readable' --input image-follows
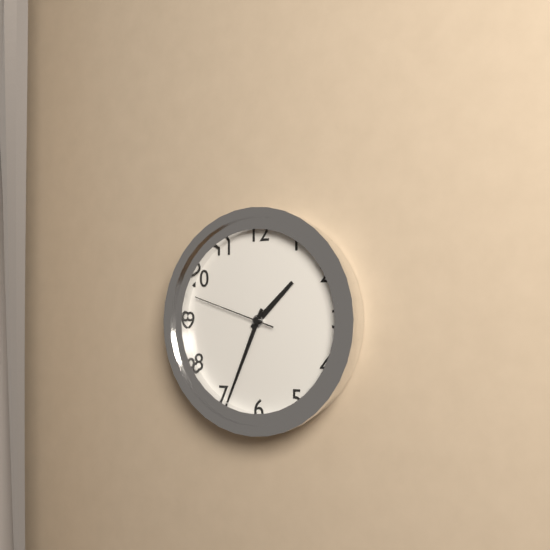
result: 1.34.48
